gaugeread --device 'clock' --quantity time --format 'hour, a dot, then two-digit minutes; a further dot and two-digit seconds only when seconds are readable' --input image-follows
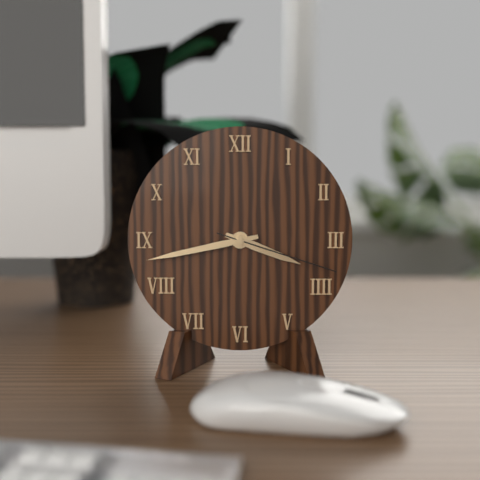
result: 3.43.18
